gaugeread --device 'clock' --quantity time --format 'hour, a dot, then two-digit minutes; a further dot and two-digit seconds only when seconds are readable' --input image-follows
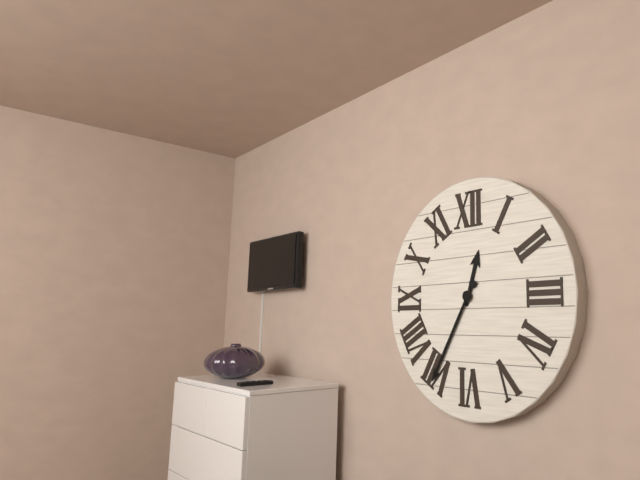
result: 12.35
